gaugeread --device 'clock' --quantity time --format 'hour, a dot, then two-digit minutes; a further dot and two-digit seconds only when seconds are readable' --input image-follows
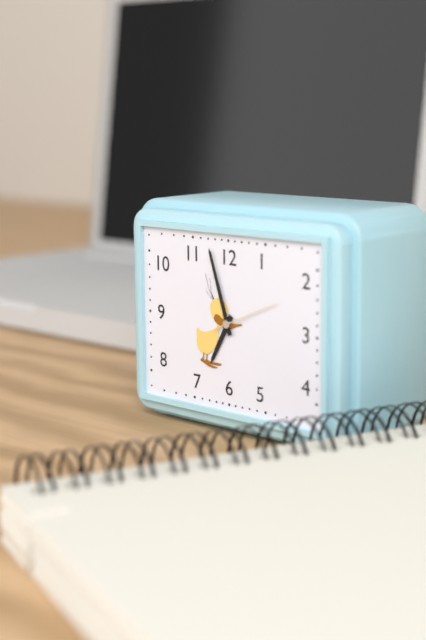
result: 6.57
